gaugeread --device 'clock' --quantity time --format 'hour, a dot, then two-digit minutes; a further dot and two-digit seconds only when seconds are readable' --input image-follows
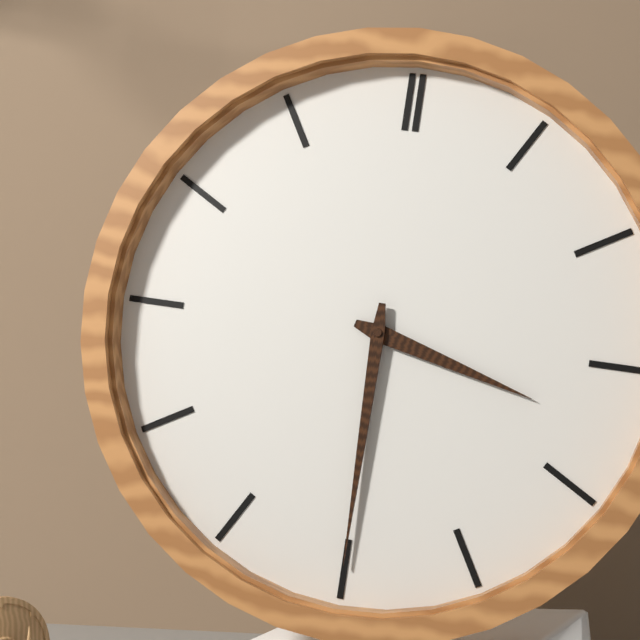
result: 3.30
